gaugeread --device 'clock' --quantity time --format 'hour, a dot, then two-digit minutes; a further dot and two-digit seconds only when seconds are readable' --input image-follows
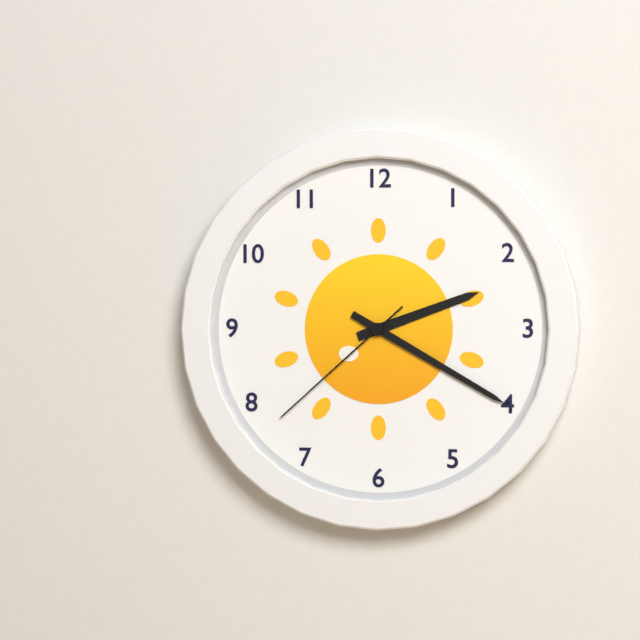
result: 2.20.38
